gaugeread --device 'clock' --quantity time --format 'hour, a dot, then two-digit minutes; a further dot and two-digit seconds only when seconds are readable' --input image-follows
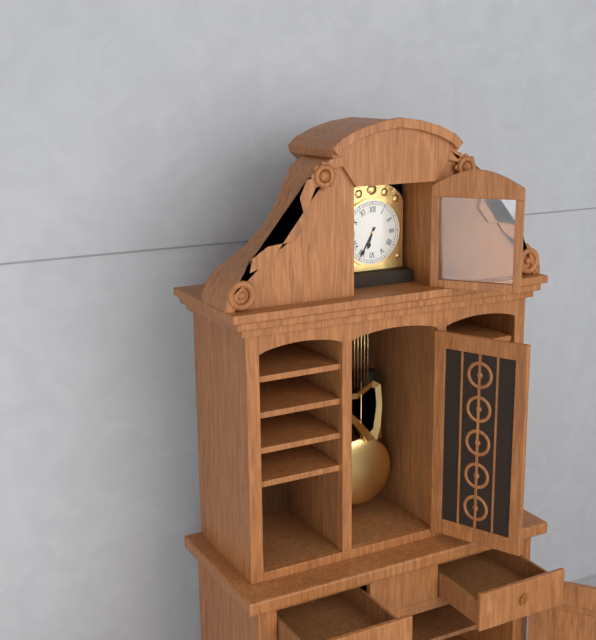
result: 6.35
